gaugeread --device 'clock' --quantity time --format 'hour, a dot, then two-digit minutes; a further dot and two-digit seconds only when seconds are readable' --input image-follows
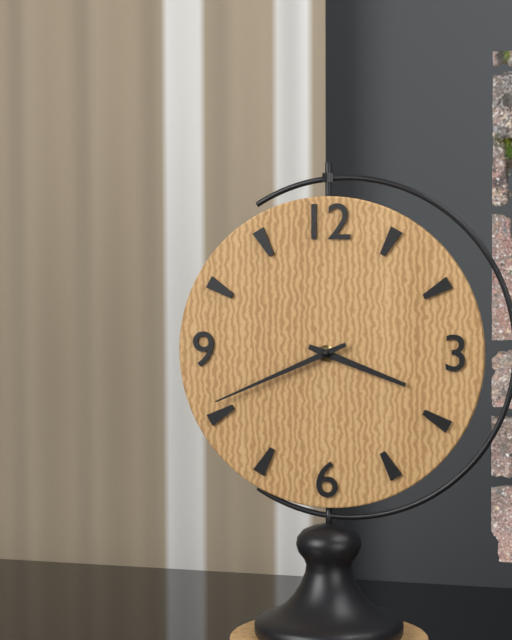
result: 3.41
